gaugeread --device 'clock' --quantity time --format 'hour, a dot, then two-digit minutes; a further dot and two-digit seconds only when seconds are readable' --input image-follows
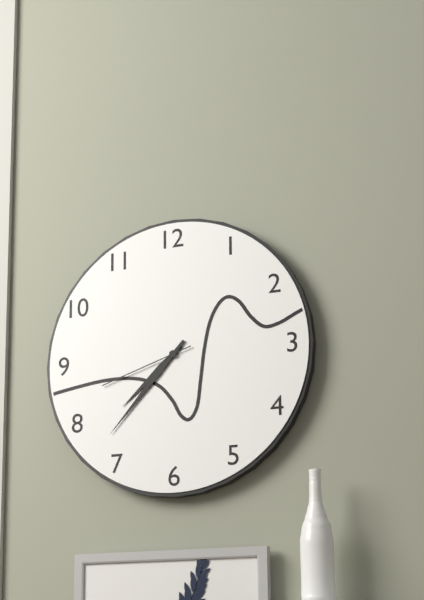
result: 7.37.42
